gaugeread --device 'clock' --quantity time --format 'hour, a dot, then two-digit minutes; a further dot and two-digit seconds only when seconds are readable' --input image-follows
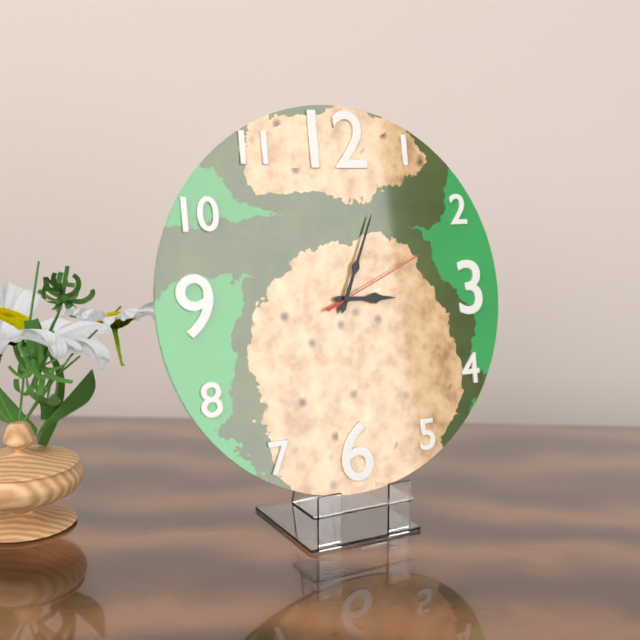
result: 3.04.11
